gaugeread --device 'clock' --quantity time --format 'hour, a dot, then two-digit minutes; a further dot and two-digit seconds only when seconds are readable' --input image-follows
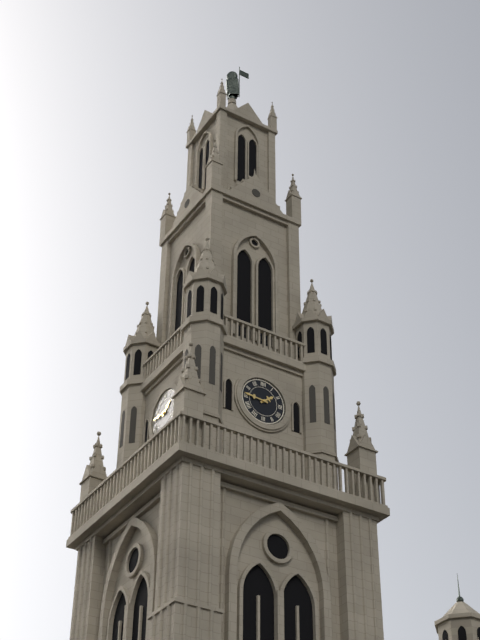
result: 1.46
